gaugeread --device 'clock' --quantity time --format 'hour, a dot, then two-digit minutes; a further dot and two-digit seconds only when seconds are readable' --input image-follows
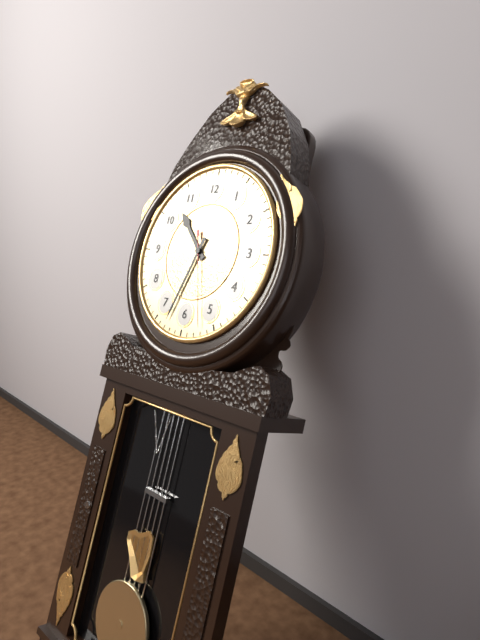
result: 10.33.27
